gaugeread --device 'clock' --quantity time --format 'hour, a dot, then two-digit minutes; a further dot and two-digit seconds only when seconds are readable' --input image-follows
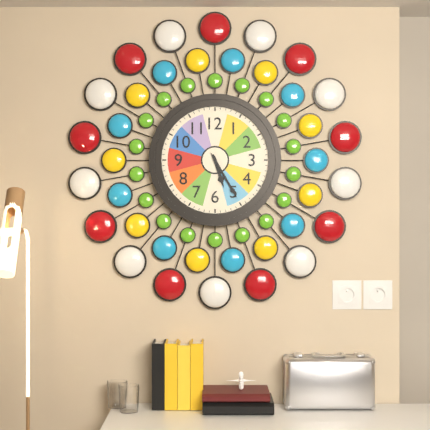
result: 5.25
